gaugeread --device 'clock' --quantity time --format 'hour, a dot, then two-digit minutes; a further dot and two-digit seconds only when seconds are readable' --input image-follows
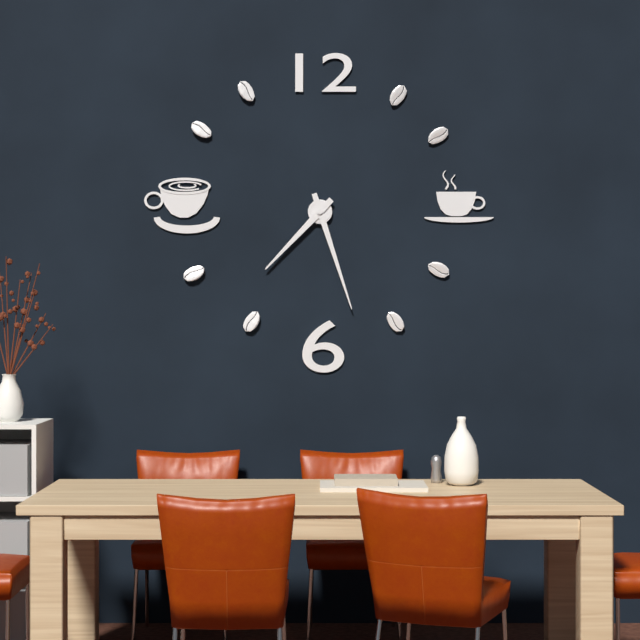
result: 7.27
